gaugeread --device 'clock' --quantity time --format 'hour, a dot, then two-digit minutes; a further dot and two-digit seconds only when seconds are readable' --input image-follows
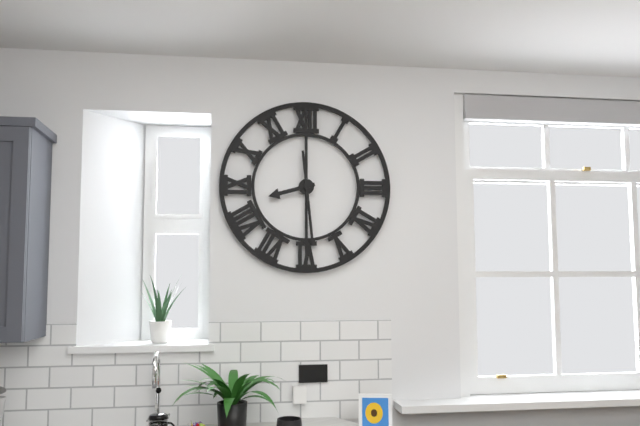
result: 8.29
